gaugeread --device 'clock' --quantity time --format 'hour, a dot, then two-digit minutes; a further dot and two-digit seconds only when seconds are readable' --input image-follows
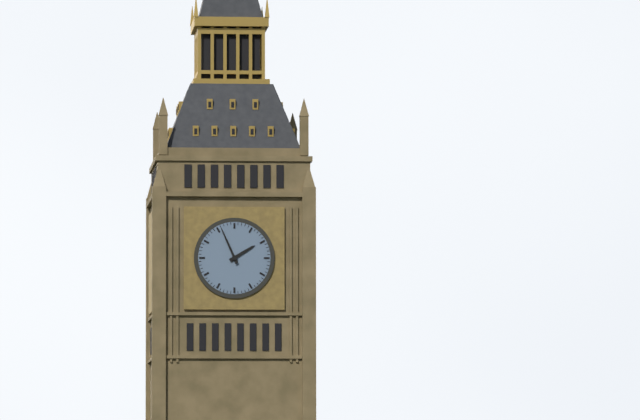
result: 1.56
